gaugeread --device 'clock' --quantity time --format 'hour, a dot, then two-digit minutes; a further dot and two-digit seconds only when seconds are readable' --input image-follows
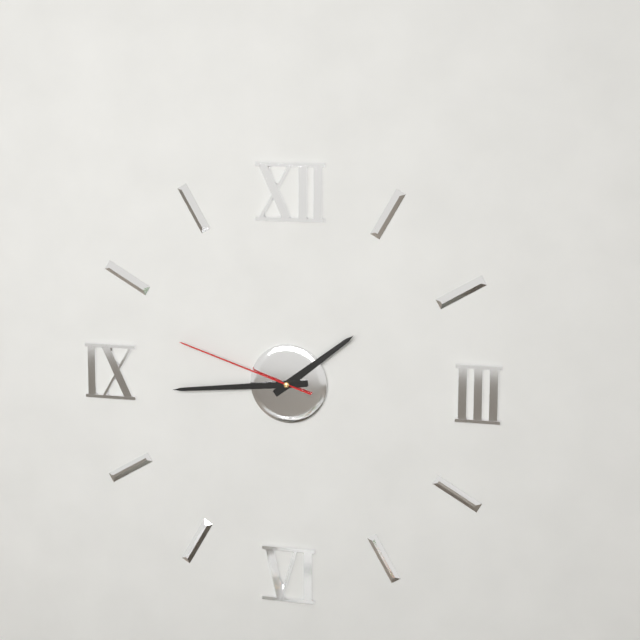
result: 1.44.48
